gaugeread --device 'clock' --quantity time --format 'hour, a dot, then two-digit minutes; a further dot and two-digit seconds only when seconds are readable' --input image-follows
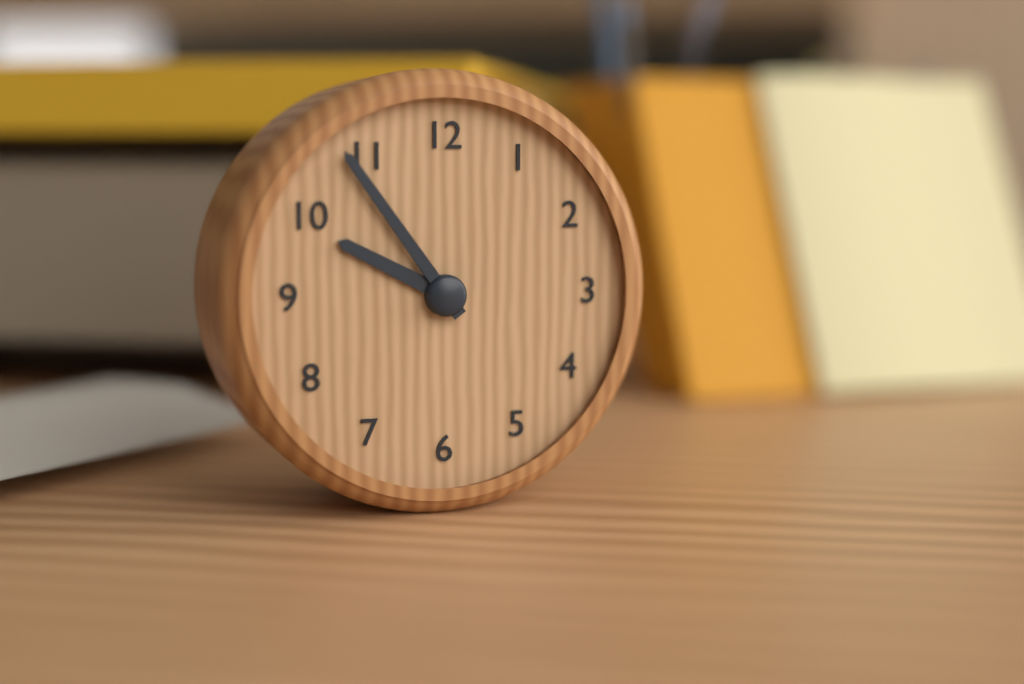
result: 9.54
